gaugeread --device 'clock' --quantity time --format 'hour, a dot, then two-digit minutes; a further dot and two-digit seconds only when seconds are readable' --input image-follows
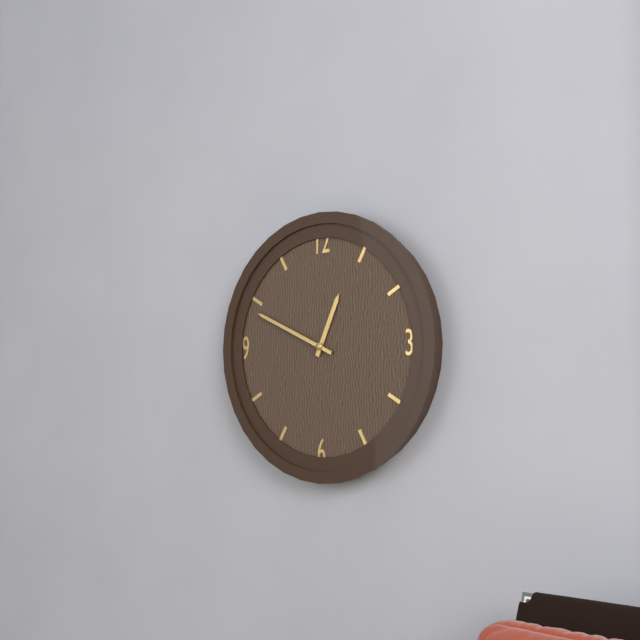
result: 12.49
